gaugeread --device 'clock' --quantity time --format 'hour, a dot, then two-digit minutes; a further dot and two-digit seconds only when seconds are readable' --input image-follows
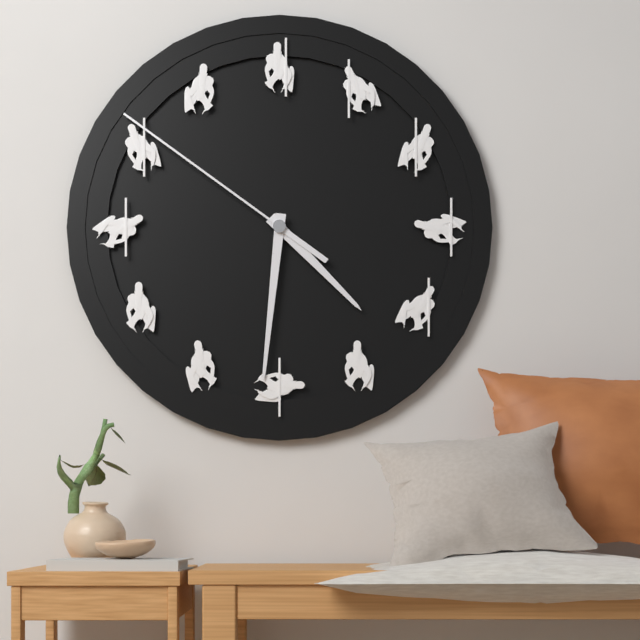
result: 4.31.51
